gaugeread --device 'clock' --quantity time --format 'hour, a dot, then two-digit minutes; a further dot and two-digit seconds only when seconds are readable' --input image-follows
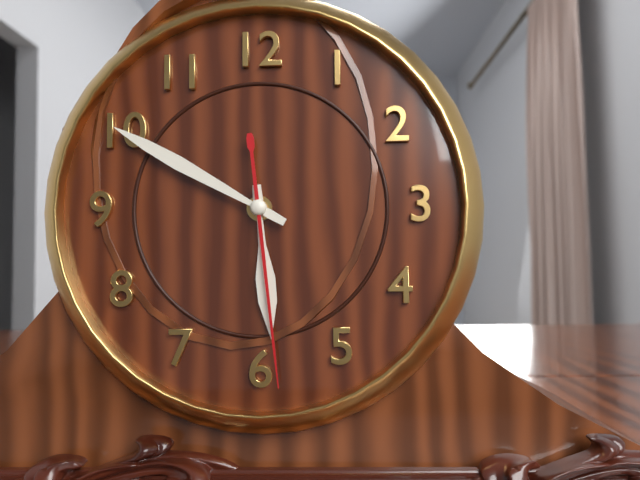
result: 5.50.29
